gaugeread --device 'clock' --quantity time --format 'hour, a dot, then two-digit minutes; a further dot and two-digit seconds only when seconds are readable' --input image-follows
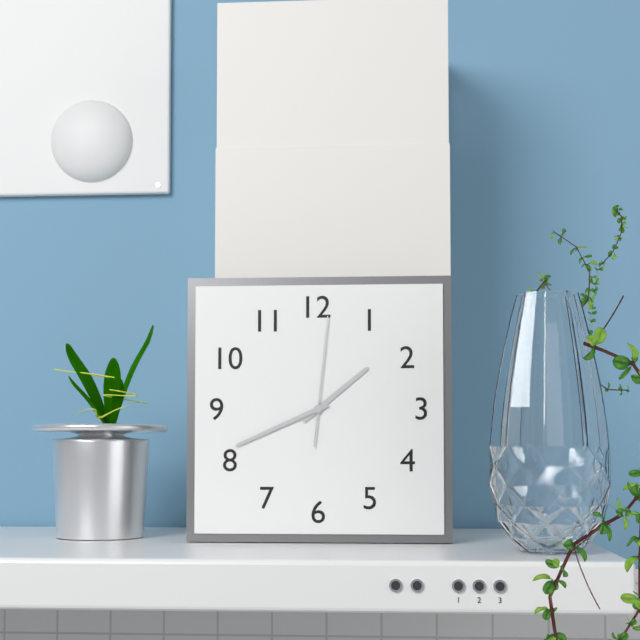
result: 1.41.01
